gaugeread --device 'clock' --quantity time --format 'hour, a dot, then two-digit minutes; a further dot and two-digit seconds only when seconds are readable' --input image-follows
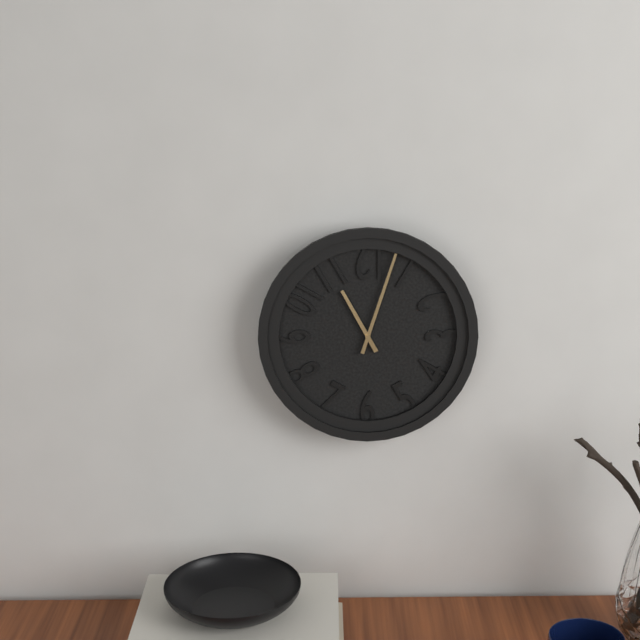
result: 11.03
